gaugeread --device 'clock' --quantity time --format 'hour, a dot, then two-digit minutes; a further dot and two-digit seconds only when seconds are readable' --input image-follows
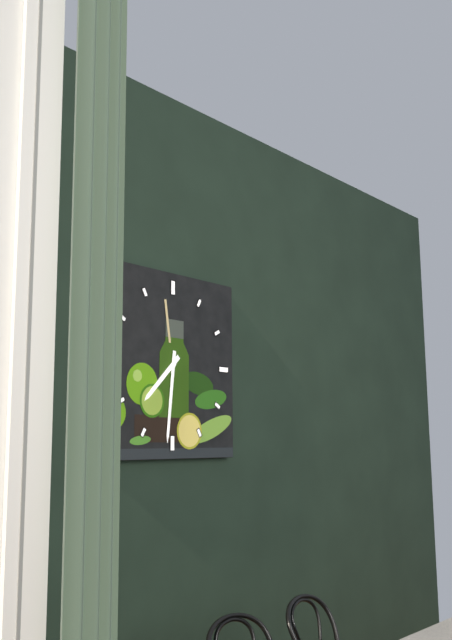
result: 7.31
